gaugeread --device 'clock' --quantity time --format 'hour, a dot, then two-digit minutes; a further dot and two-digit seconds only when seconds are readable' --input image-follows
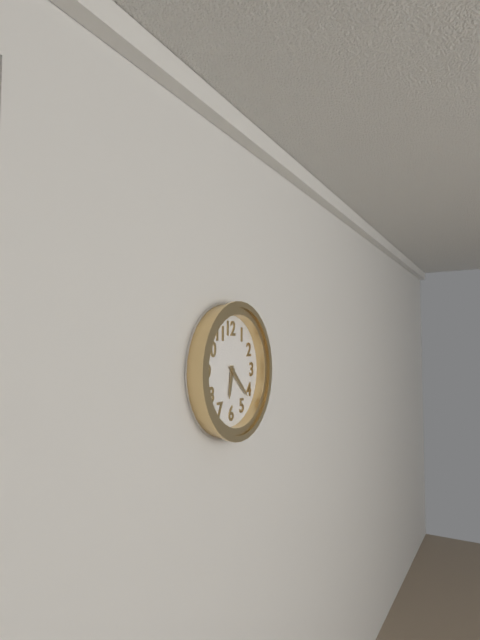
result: 6.22
